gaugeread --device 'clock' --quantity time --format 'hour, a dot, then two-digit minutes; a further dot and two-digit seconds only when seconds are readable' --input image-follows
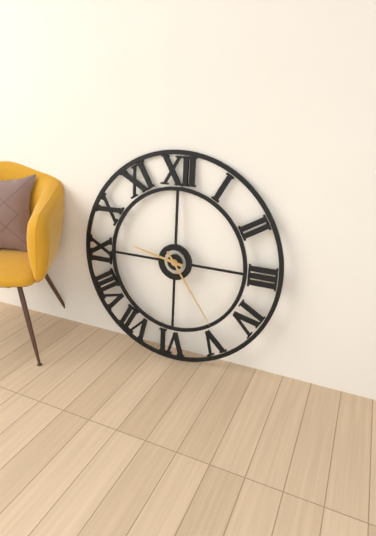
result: 9.24
